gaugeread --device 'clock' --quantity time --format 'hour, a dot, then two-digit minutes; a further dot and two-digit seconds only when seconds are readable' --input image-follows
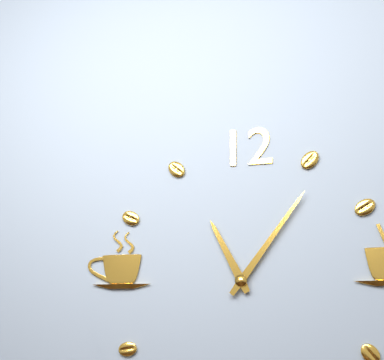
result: 11.06
